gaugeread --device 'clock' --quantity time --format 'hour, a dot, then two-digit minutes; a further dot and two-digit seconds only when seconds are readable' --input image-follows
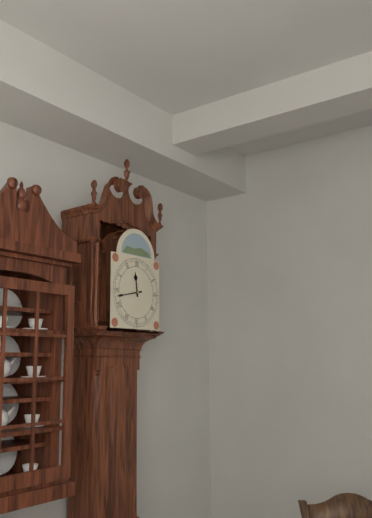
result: 11.43
